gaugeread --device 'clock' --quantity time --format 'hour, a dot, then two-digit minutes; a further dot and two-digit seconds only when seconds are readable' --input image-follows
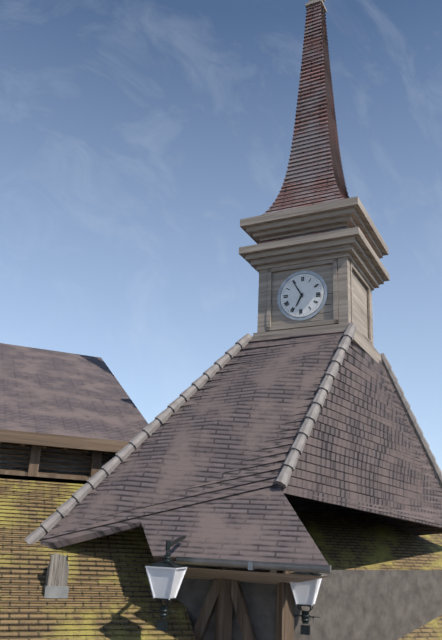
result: 6.55
